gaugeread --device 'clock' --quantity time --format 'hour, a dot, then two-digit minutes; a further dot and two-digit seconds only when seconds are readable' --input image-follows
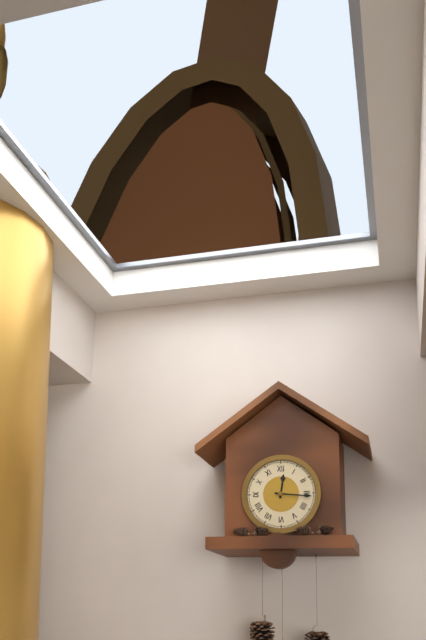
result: 12.16
